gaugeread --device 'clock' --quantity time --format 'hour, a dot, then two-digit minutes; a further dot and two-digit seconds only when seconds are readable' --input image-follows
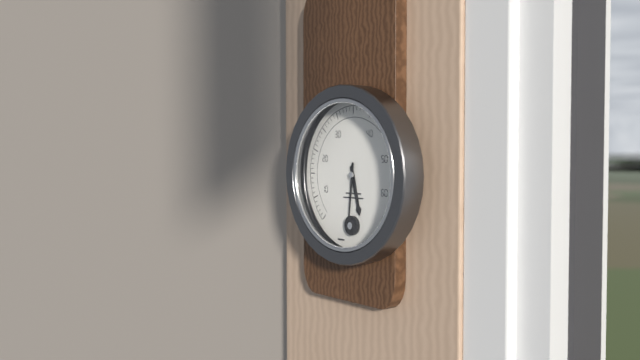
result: 5.31
